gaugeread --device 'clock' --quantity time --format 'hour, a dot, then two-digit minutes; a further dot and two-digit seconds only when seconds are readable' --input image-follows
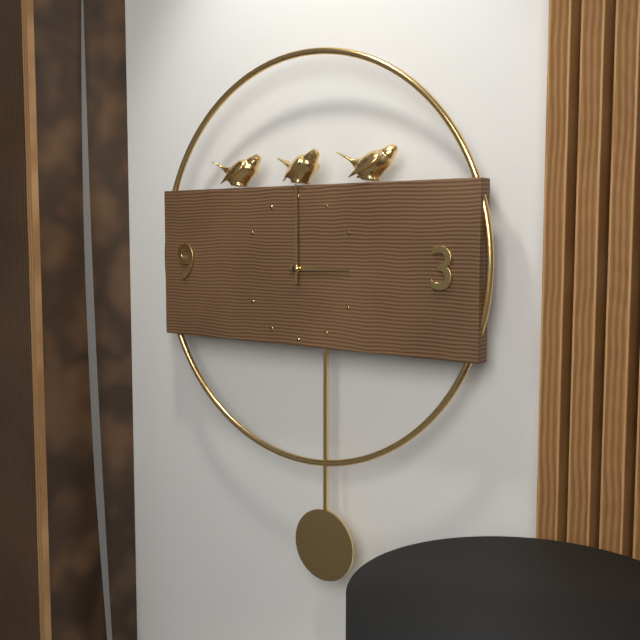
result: 3.00
